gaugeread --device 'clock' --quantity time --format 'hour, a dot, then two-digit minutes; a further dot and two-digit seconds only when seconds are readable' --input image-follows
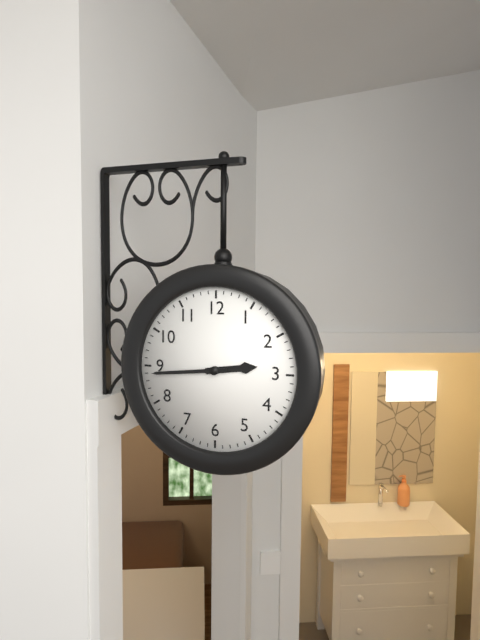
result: 2.44
